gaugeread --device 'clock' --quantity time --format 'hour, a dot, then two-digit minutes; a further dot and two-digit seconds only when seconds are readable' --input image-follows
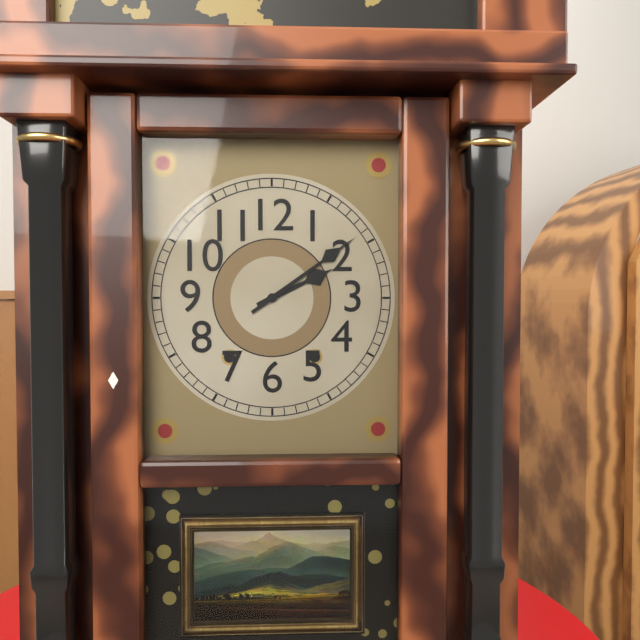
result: 2.09
